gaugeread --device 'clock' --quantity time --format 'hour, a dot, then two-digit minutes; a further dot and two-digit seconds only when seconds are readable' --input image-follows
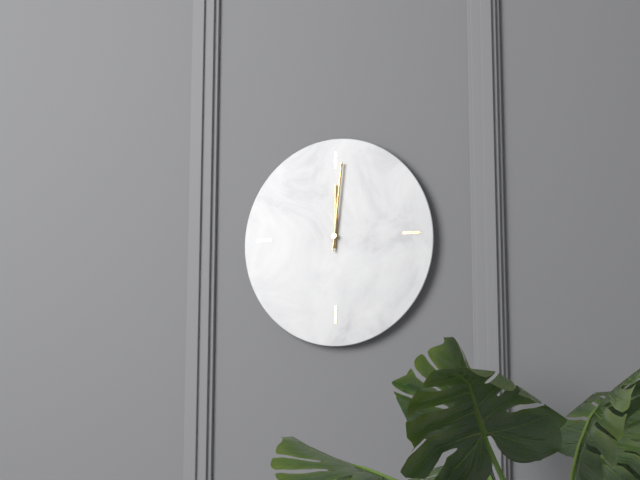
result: 12.01
